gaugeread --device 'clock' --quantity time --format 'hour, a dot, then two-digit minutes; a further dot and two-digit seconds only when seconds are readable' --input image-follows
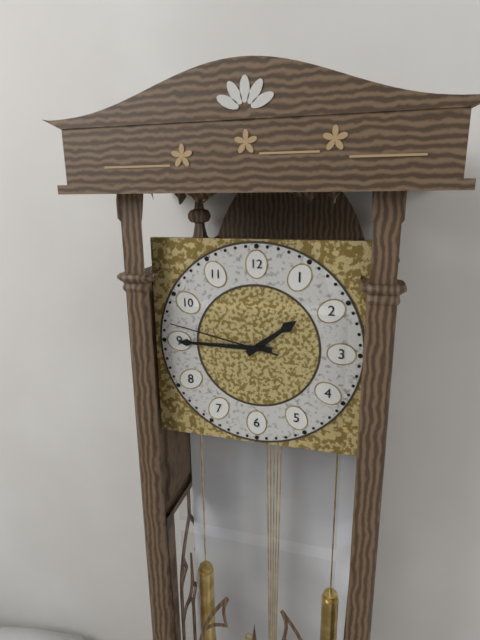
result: 1.45.47
